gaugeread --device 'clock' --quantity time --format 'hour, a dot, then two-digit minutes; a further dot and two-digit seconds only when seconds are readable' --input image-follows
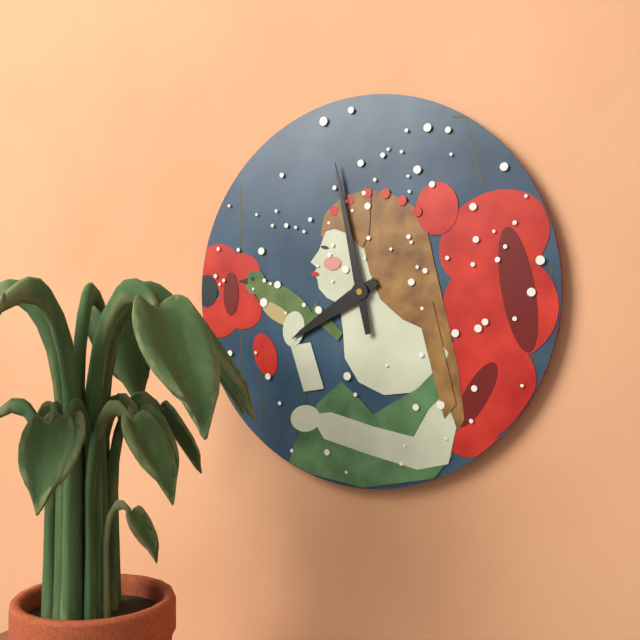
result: 7.58
